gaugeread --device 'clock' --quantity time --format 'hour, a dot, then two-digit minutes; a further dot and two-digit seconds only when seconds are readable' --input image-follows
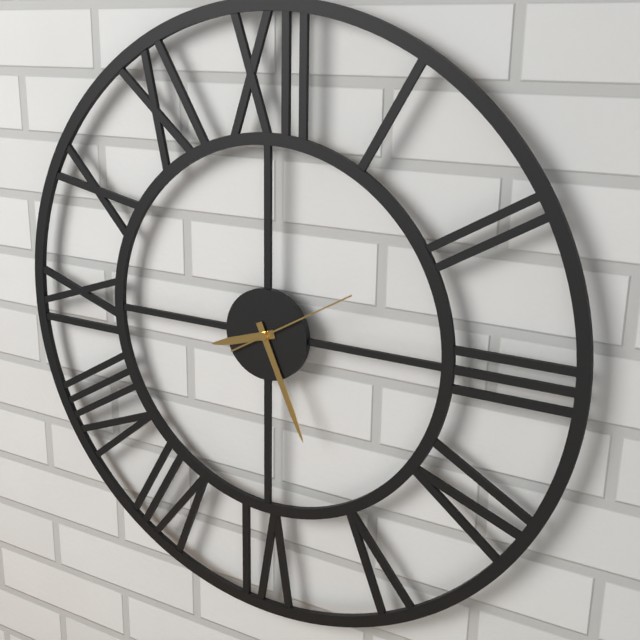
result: 8.26.10
